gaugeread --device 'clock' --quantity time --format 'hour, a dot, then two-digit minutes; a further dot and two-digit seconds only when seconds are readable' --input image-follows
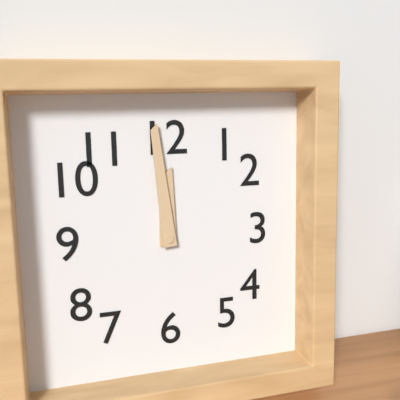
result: 11.59
